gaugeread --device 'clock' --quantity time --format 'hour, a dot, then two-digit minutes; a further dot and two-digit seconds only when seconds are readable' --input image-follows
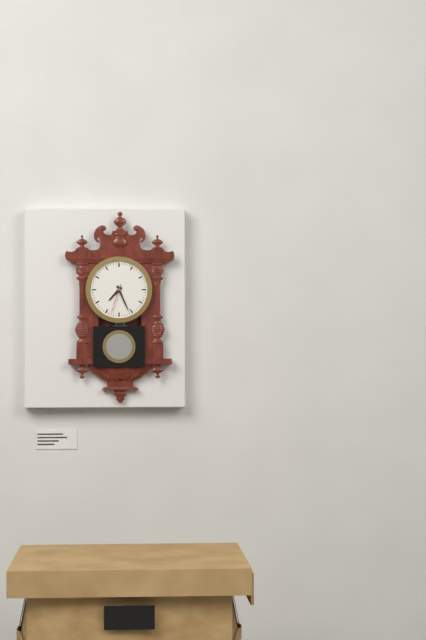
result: 7.26
